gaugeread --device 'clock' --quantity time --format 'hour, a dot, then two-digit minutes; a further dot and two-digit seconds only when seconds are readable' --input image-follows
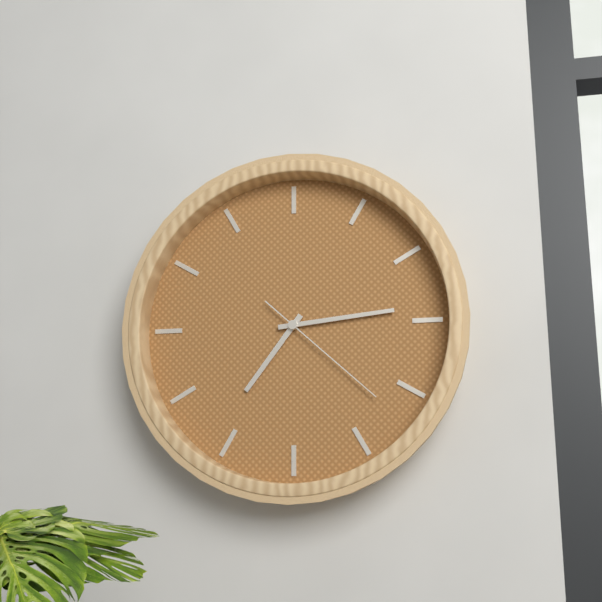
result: 7.14.22
